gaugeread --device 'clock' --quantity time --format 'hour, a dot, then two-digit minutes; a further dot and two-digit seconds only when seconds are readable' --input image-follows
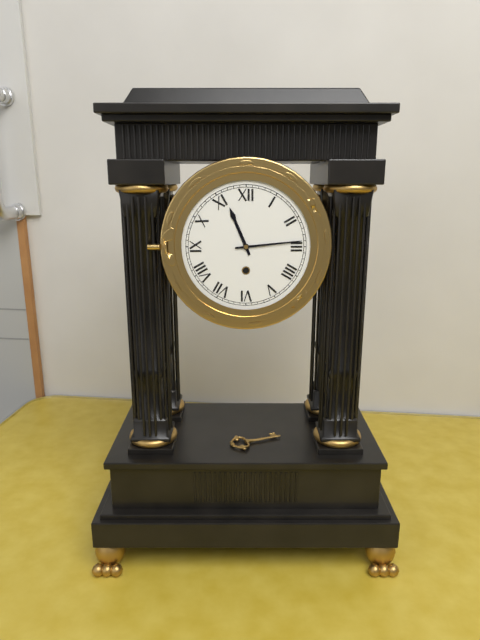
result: 11.14
